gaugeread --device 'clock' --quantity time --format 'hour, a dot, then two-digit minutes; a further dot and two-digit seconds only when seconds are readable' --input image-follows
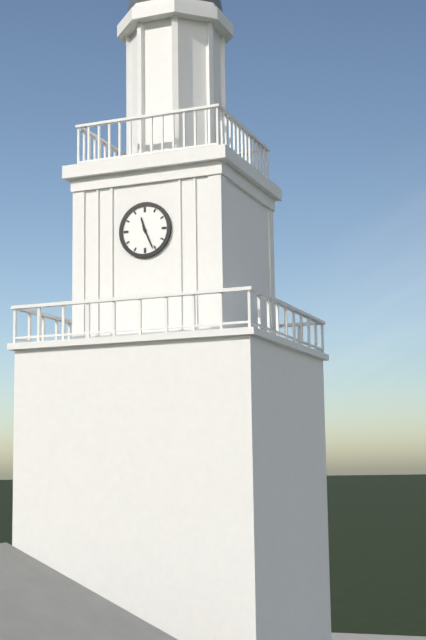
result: 11.26
